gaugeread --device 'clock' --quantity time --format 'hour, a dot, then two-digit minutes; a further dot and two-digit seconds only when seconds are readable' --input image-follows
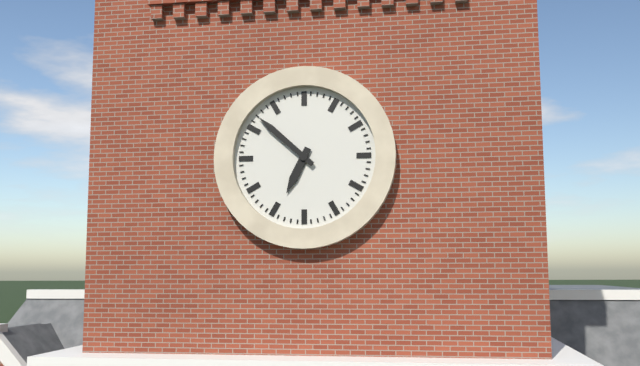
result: 6.52
